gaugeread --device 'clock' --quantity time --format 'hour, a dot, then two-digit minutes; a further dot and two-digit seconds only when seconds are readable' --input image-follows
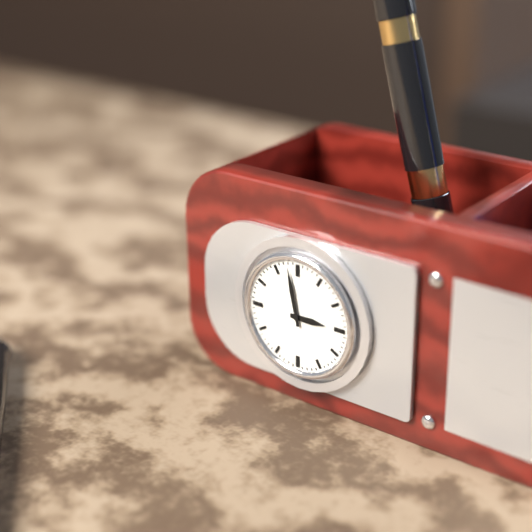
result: 2.58
